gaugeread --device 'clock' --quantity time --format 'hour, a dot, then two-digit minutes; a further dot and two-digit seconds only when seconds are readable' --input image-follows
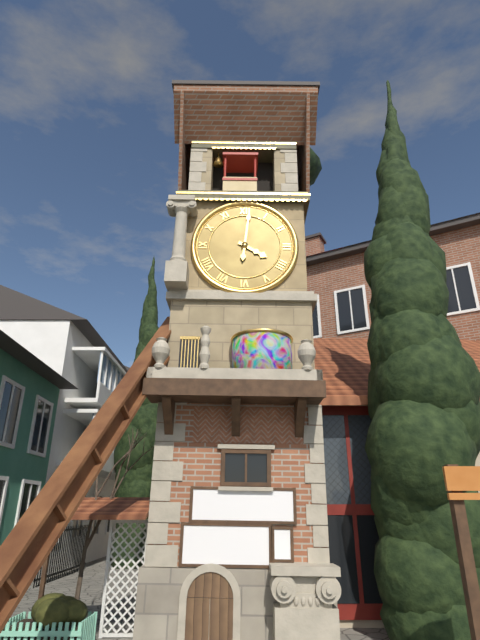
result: 4.01
